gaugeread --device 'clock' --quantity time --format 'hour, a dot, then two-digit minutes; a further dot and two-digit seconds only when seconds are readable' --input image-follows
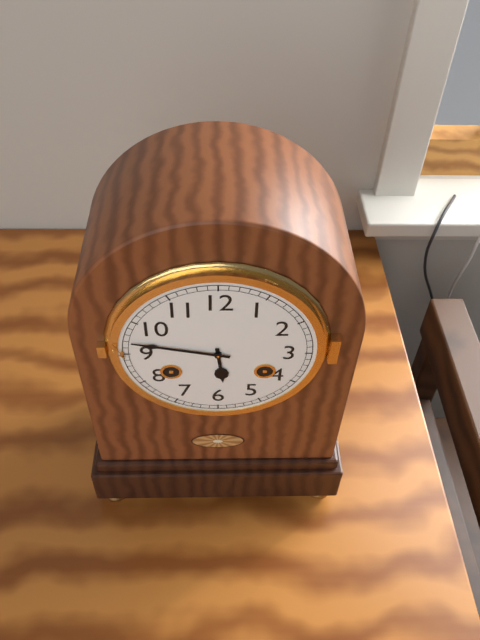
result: 5.47
